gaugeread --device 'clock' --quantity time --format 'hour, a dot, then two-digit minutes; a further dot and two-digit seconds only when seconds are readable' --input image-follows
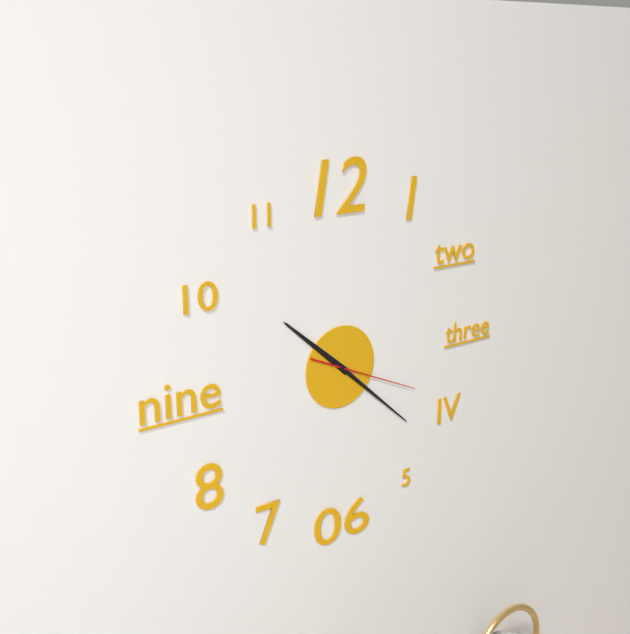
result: 10.22.19
